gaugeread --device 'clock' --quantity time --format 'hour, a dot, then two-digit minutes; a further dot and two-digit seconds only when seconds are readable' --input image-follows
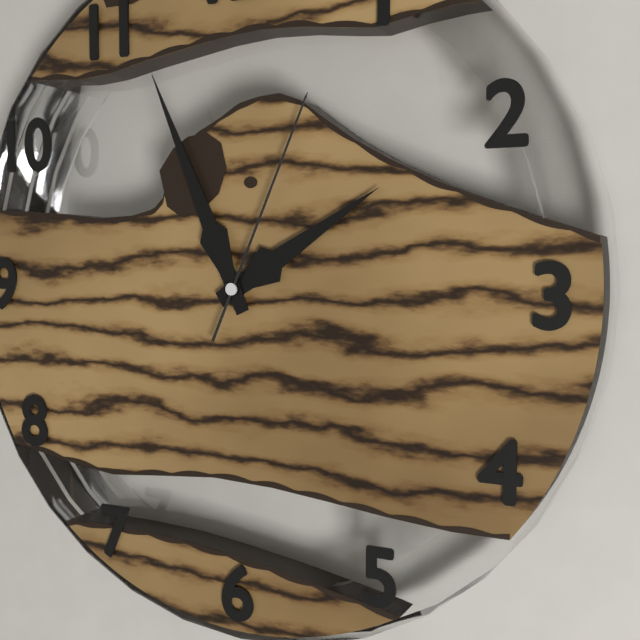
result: 1.56.04
